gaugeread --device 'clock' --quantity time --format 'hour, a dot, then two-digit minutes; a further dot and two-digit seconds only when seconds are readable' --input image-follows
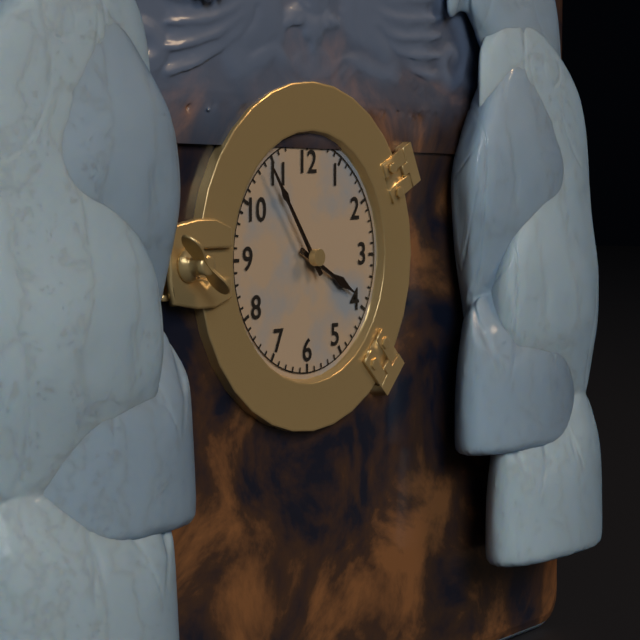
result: 3.54
